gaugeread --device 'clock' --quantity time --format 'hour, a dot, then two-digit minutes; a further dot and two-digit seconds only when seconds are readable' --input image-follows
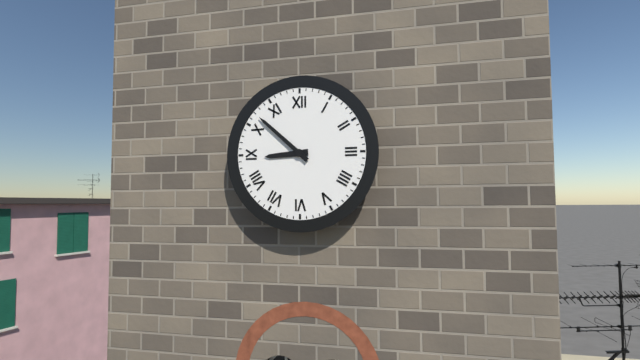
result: 8.52
